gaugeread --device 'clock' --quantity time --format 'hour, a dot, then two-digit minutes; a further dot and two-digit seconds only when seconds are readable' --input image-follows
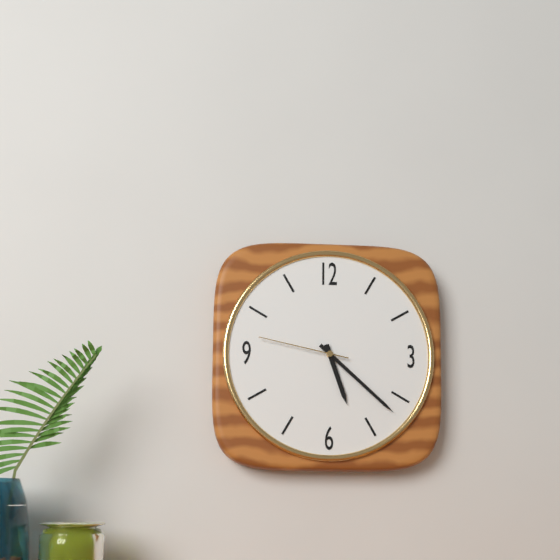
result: 5.22.47
